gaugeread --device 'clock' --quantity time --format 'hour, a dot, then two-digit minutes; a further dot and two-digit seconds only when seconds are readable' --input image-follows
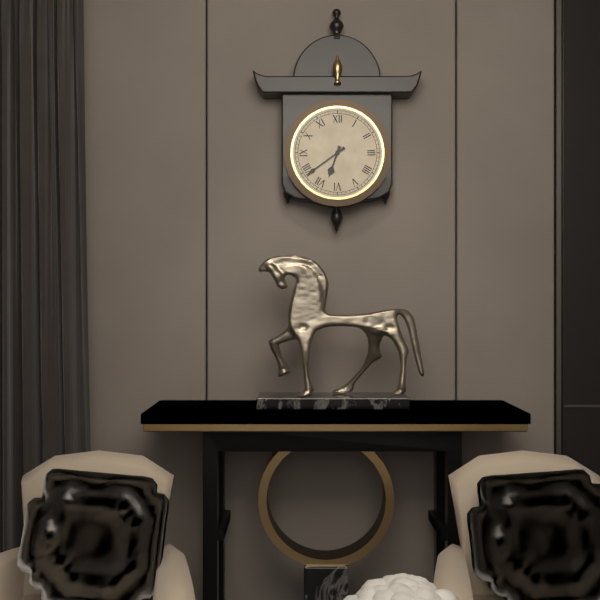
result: 6.39
